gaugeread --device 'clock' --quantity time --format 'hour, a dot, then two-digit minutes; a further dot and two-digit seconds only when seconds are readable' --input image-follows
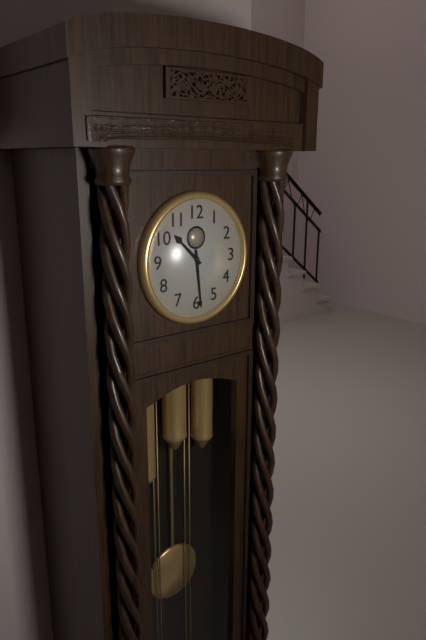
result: 10.29
